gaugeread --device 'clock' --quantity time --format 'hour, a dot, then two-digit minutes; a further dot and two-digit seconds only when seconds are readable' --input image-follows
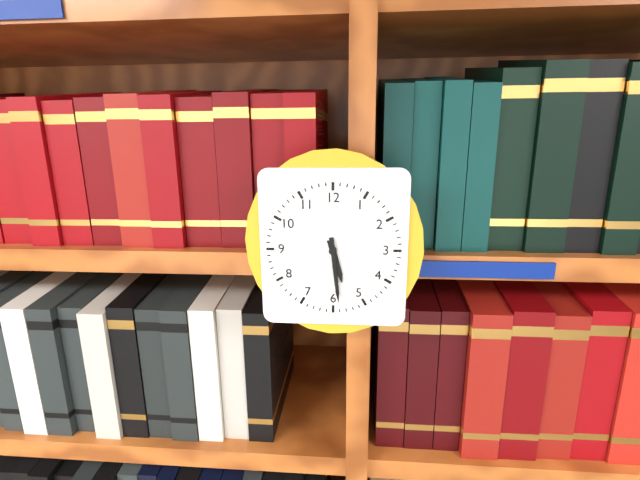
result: 5.29
